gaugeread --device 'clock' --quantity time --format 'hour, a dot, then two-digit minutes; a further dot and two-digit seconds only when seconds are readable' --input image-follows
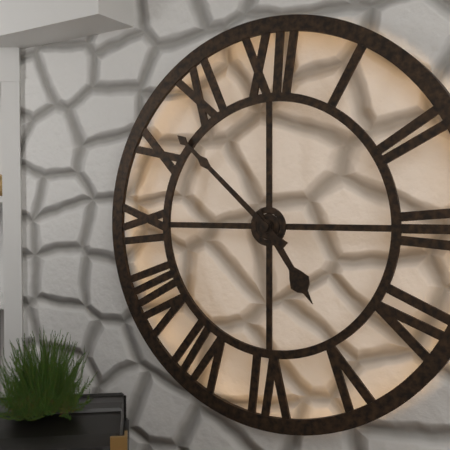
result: 4.52
